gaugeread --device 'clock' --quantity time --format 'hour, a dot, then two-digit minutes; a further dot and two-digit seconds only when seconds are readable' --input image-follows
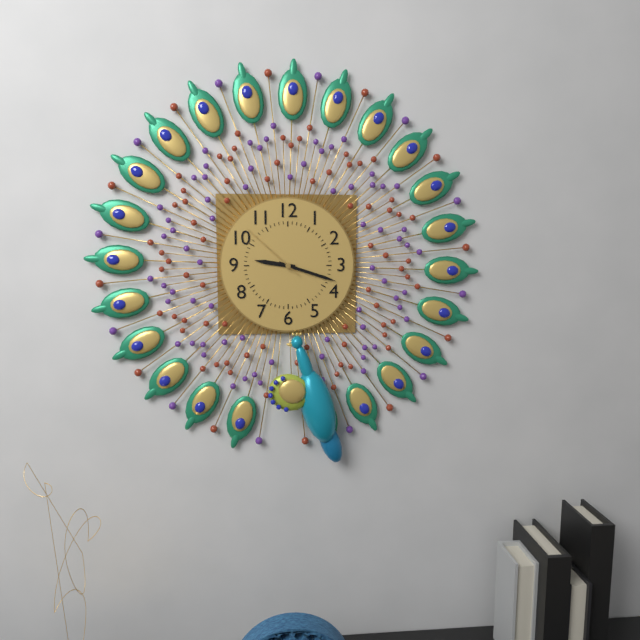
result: 9.18.52
